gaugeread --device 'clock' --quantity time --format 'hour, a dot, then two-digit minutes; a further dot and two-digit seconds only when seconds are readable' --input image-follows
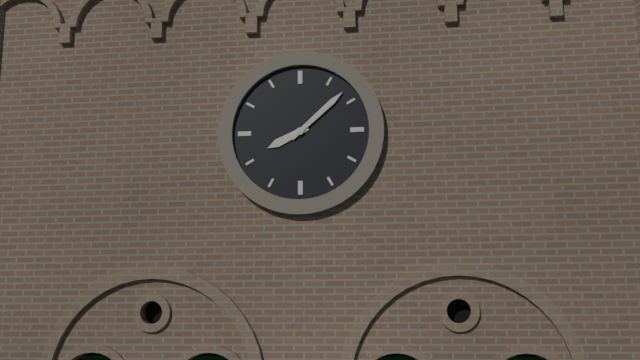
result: 8.08
